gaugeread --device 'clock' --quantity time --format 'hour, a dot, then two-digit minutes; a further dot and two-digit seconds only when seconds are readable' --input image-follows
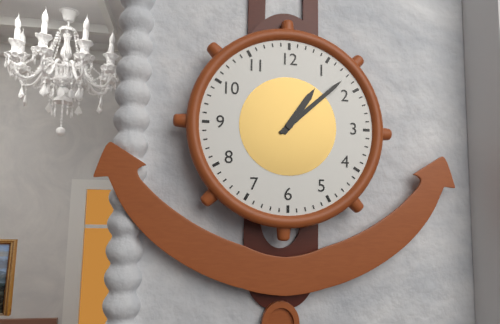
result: 1.08
